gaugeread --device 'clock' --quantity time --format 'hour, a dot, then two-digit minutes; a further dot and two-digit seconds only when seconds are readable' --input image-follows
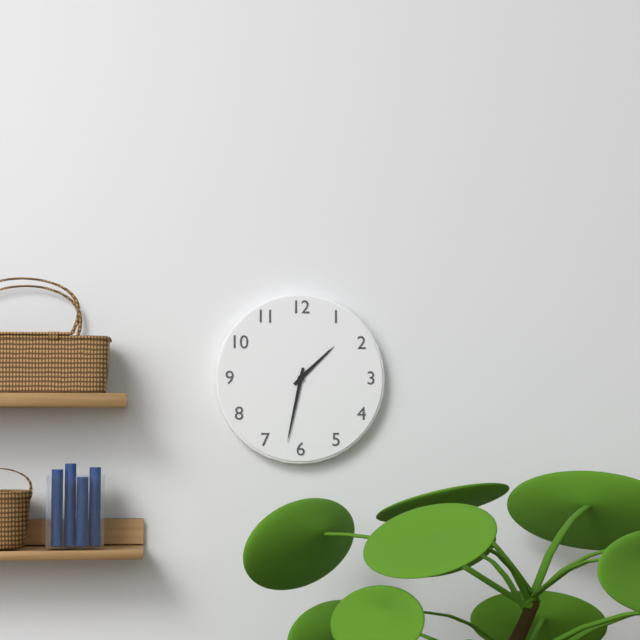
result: 1.32
